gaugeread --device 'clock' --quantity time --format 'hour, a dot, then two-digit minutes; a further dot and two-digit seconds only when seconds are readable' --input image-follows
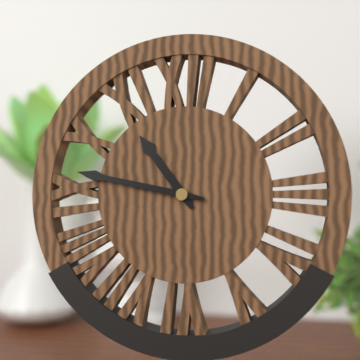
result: 10.47
